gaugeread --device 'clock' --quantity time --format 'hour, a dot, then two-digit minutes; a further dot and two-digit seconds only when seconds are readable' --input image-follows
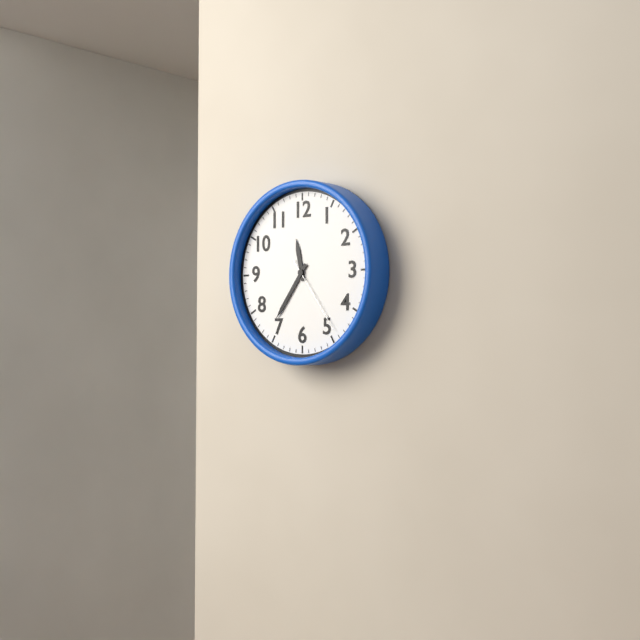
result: 11.36.24
